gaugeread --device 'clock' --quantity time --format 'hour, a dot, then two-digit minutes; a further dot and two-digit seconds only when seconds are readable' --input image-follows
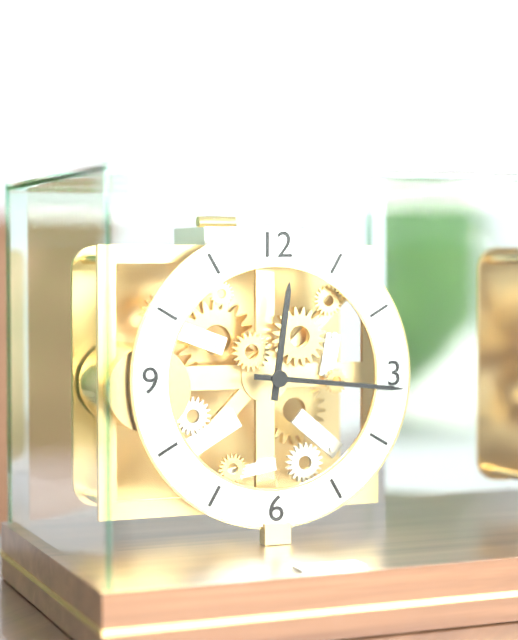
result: 12.16
